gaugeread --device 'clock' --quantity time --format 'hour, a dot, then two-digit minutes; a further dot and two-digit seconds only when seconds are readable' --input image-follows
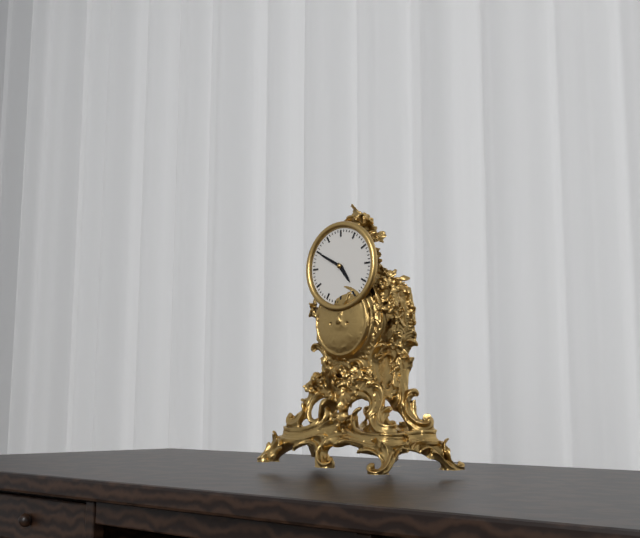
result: 4.50
